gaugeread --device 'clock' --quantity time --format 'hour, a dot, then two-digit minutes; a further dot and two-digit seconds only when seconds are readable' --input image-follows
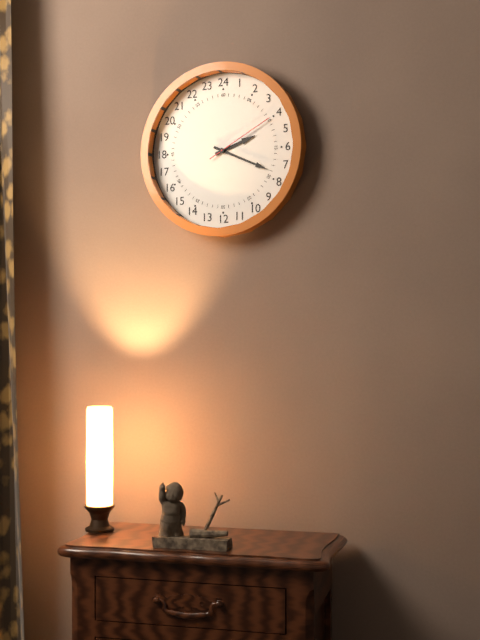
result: 2.19.10
